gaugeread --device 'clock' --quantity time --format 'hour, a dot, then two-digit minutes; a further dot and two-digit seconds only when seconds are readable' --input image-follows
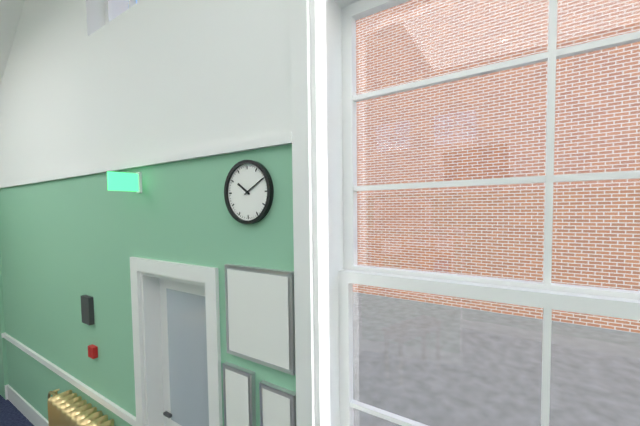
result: 10.10
